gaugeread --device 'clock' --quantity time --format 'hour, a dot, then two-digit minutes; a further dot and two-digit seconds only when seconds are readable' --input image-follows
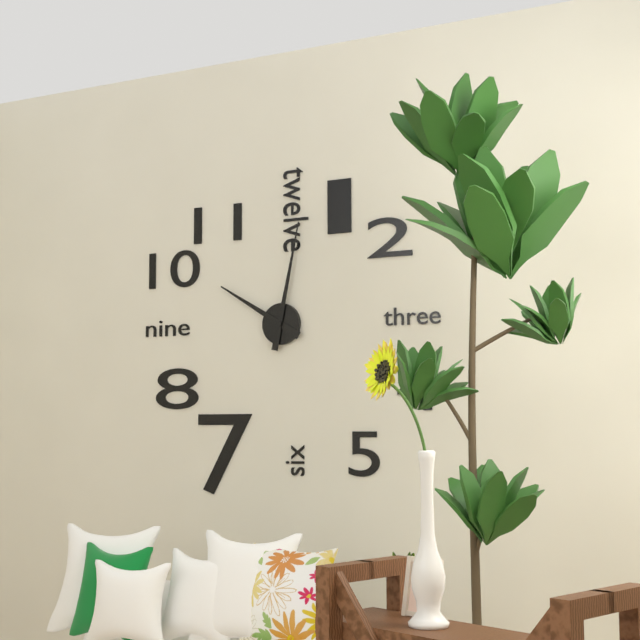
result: 10.02
